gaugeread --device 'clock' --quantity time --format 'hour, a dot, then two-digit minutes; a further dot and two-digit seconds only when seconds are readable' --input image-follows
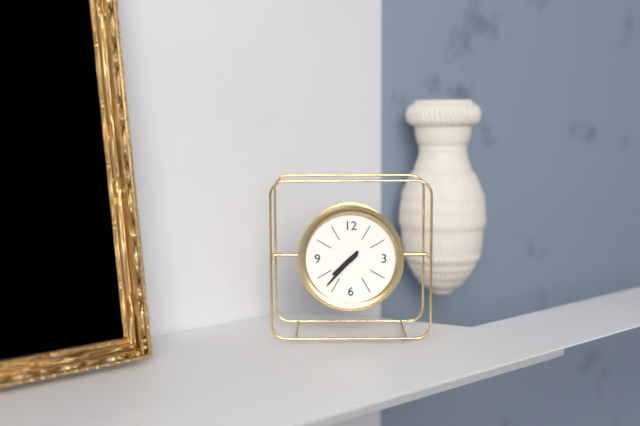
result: 7.37
